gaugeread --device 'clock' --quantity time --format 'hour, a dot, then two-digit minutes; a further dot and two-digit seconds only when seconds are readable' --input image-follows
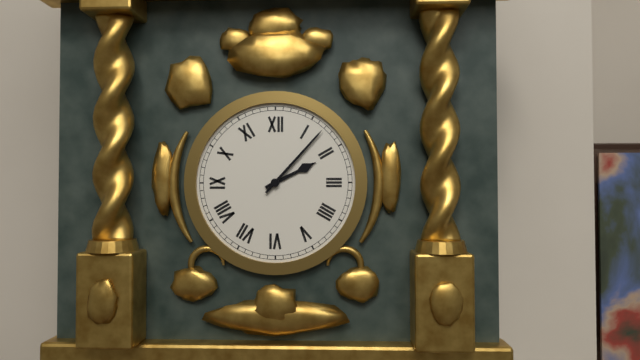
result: 2.07
